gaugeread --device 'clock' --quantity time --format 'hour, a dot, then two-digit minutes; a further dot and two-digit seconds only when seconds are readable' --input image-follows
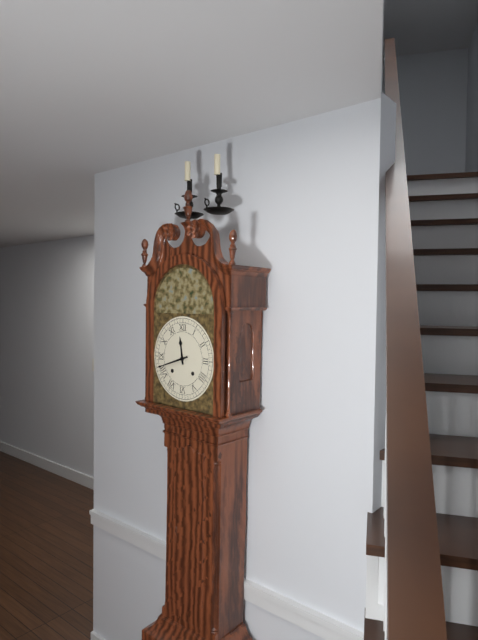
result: 11.42
